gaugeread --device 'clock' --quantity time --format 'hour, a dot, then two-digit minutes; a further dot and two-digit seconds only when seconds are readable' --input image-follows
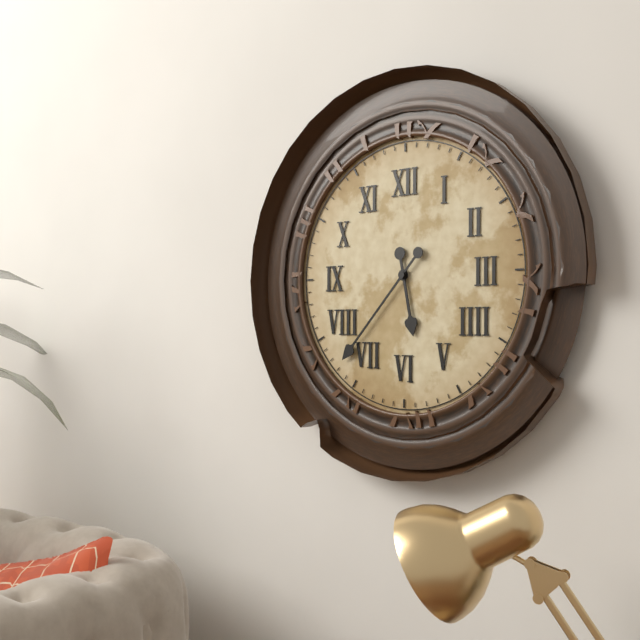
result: 5.37
